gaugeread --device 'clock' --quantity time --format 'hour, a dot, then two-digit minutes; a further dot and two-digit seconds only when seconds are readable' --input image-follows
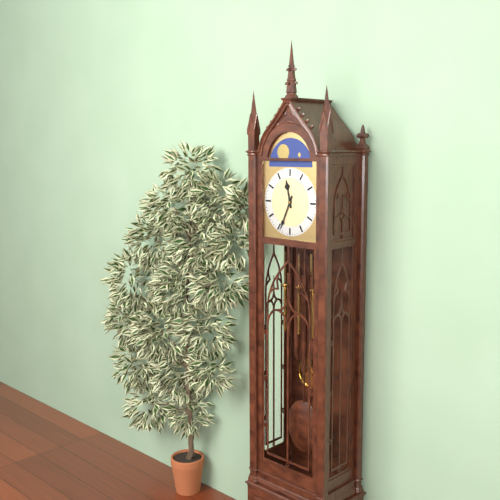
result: 11.34
